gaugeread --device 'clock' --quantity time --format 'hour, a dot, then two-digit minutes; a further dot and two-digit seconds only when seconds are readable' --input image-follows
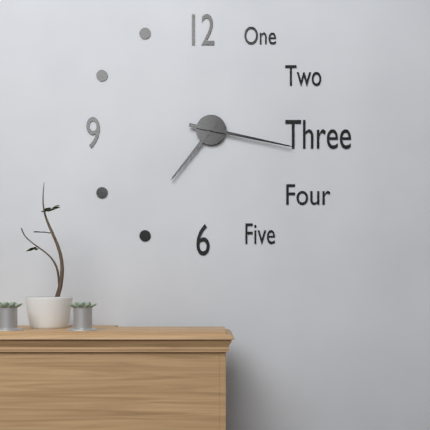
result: 7.17
